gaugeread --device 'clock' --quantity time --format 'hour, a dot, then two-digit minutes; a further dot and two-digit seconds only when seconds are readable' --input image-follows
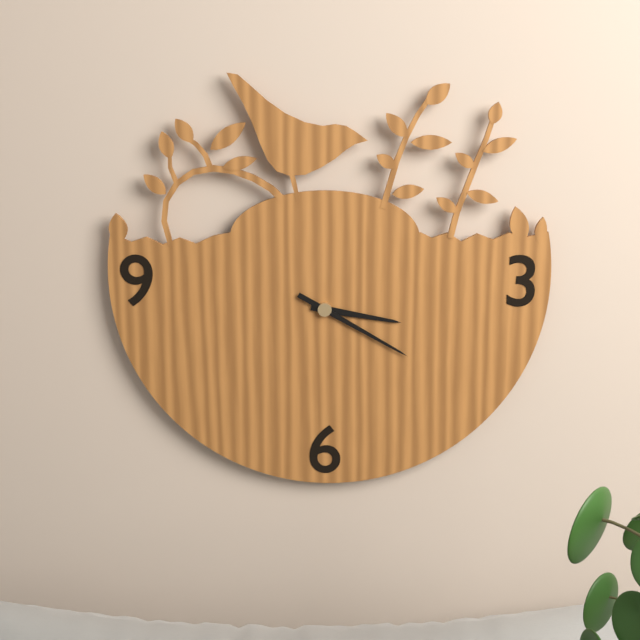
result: 3.20
